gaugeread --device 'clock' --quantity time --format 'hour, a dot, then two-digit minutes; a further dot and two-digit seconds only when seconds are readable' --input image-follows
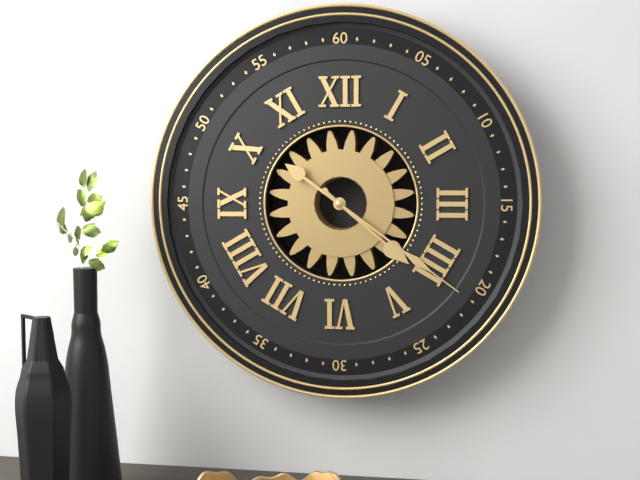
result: 4.21
